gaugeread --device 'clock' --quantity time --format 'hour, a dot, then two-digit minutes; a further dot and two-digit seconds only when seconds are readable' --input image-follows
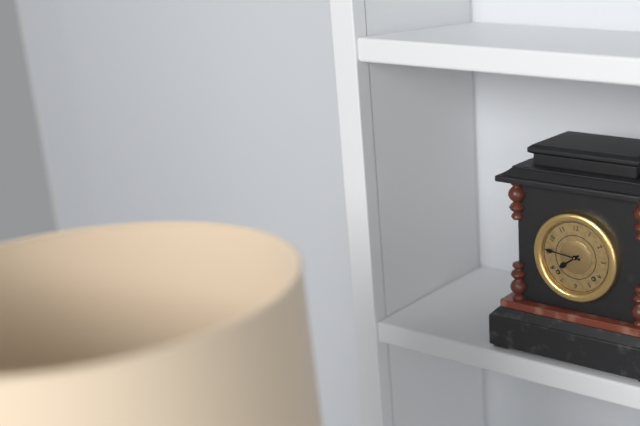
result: 7.46
